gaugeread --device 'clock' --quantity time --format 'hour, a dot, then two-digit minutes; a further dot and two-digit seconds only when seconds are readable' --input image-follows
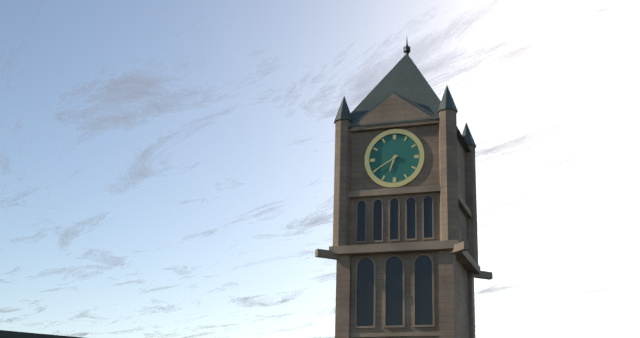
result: 6.40
